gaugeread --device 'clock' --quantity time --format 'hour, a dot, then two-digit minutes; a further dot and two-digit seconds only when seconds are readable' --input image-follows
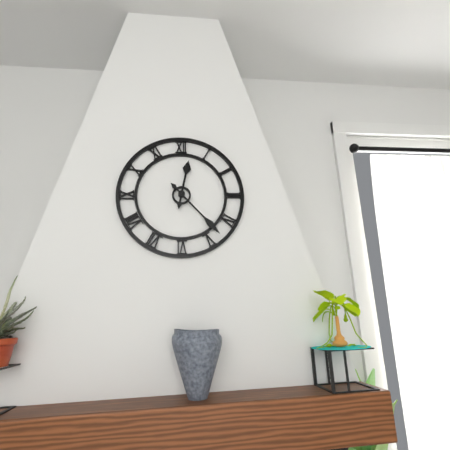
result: 12.23
